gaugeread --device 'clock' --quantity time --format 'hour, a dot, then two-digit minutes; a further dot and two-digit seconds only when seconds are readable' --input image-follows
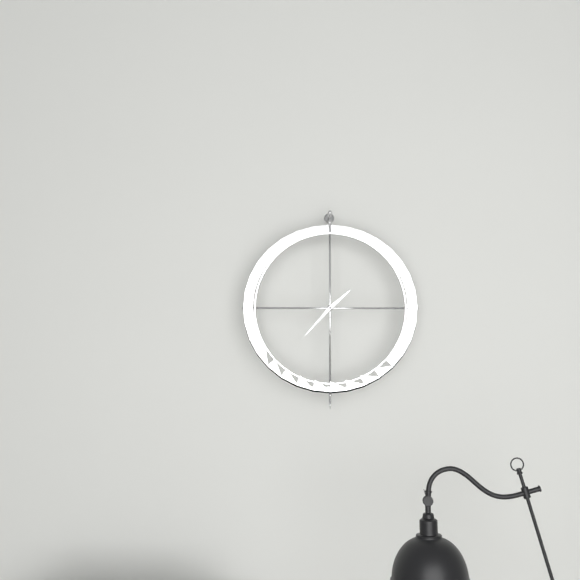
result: 1.37
